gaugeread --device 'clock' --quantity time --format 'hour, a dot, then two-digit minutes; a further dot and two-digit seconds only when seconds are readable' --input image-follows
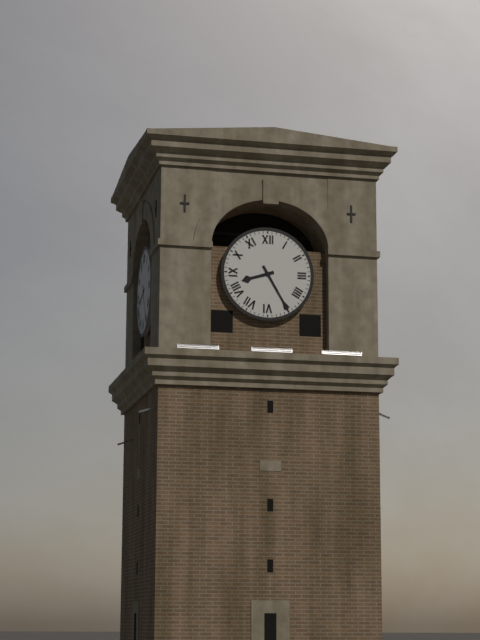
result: 8.25
